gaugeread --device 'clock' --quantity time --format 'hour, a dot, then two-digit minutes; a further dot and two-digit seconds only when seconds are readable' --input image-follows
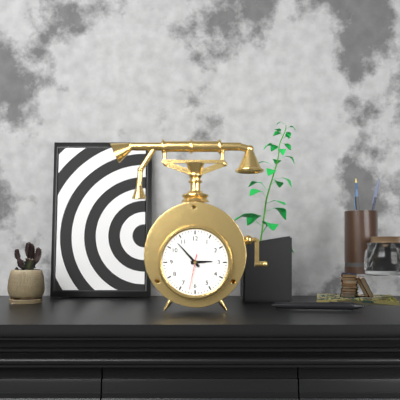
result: 2.53
